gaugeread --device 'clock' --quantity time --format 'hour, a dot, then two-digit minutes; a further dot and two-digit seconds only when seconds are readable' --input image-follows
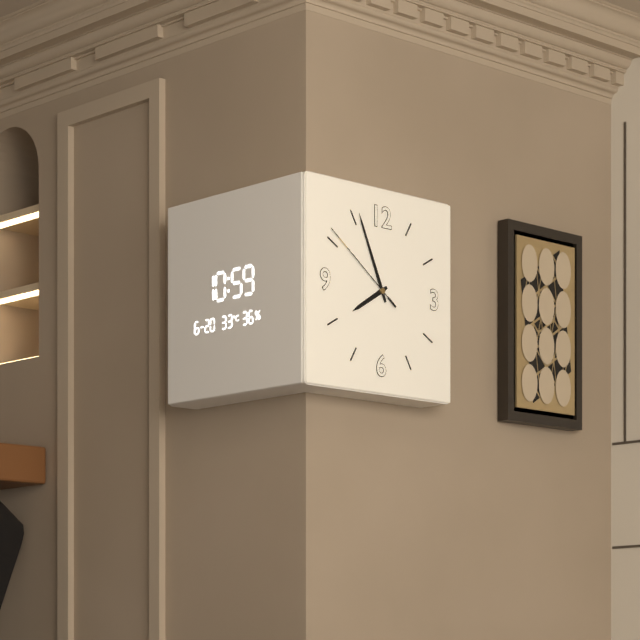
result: 7.56.51
